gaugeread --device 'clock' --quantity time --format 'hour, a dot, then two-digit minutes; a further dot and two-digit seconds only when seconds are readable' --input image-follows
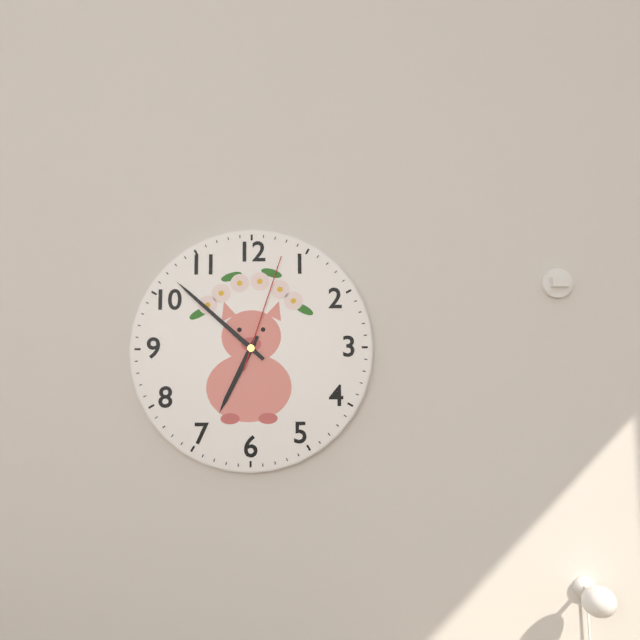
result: 6.52.03
